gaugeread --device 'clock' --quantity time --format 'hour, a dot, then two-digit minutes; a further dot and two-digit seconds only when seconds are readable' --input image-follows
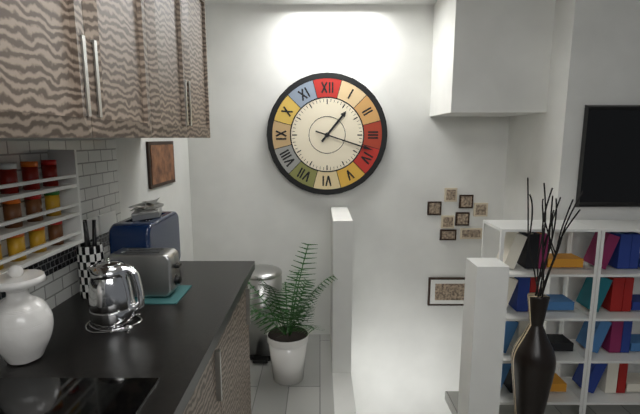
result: 1.18
